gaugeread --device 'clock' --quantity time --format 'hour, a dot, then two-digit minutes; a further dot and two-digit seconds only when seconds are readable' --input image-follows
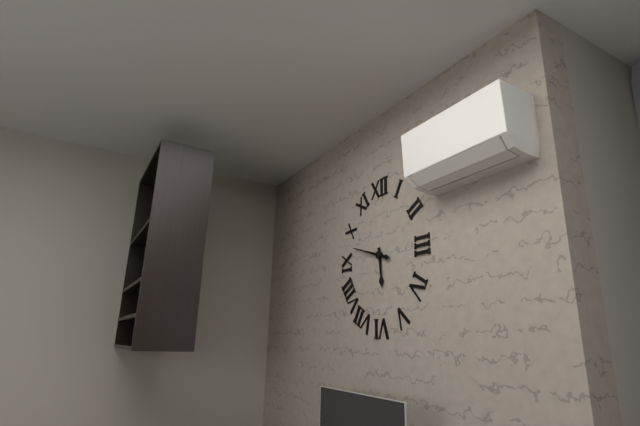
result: 5.48
